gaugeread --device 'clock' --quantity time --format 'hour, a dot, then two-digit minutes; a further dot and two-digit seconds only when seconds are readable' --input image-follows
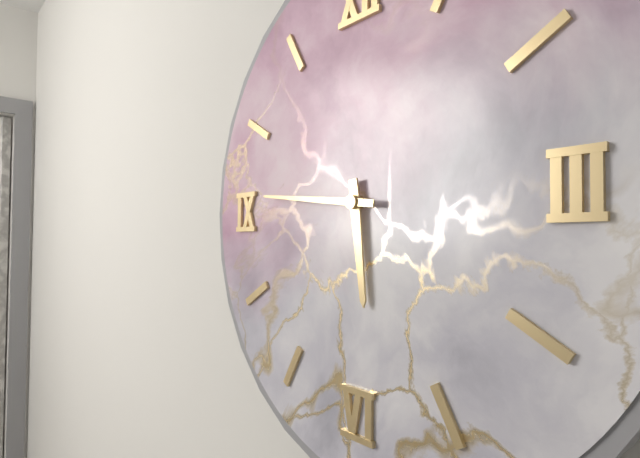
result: 5.46
